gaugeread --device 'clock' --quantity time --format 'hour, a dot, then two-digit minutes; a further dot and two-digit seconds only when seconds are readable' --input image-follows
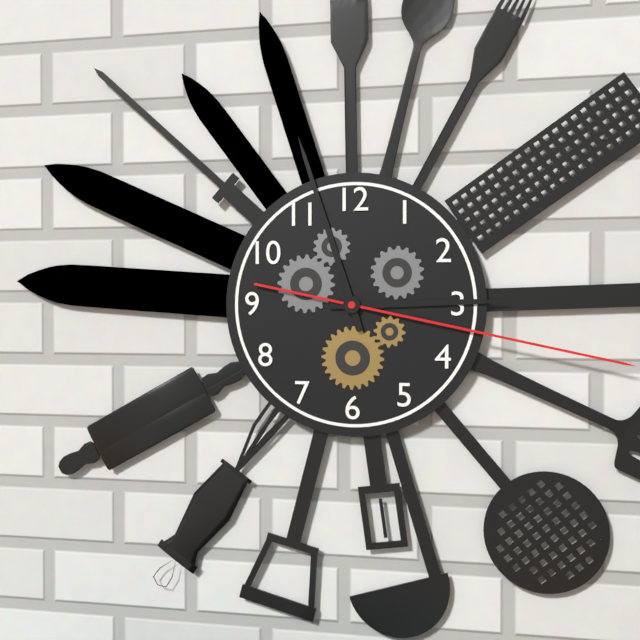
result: 2.57.17
